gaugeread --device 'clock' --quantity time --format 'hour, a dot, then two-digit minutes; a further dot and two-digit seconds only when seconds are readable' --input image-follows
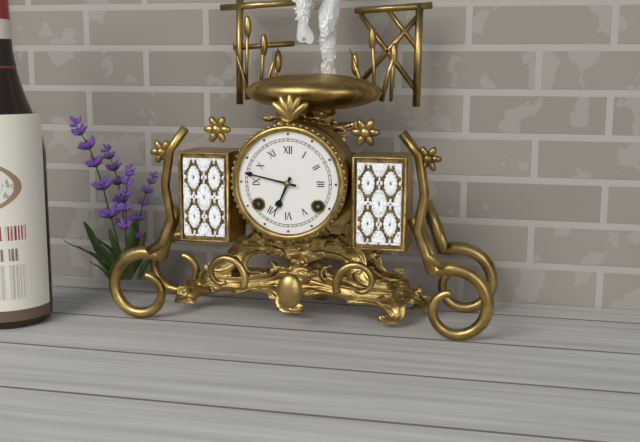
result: 6.47
